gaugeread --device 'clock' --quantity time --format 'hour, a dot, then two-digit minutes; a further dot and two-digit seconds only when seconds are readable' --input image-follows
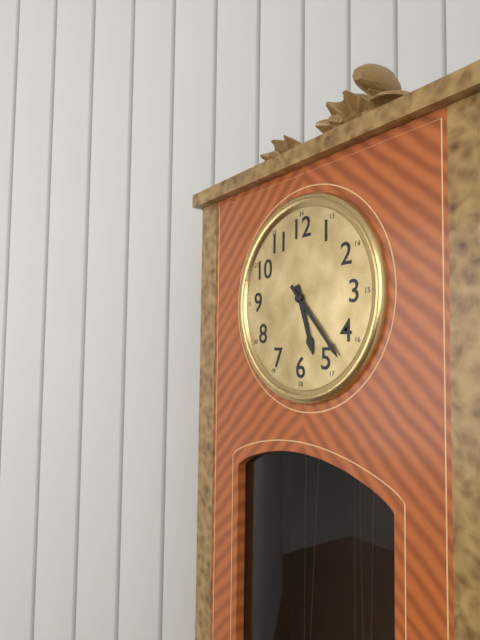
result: 5.23
